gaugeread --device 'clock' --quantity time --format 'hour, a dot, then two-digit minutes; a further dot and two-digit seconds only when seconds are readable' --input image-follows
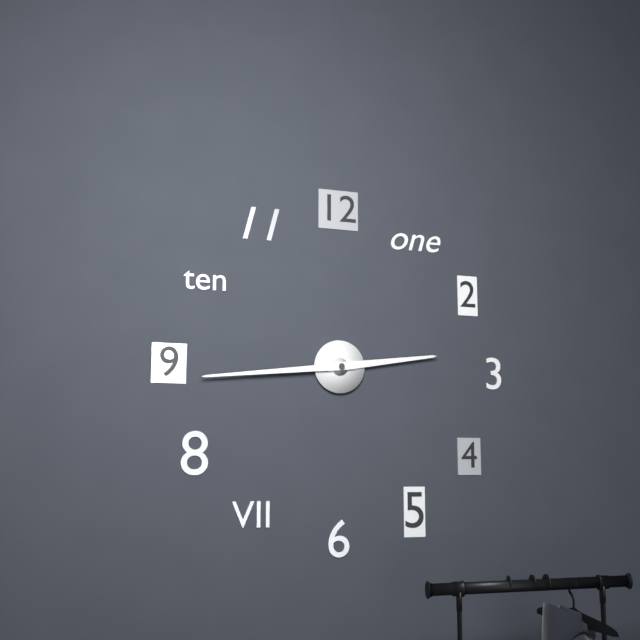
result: 2.44
